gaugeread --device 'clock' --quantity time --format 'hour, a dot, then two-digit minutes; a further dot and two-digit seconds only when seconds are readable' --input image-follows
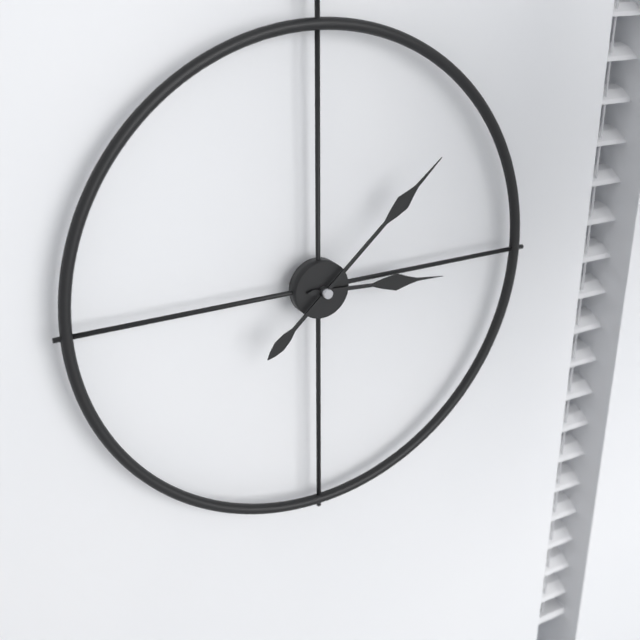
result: 3.08
